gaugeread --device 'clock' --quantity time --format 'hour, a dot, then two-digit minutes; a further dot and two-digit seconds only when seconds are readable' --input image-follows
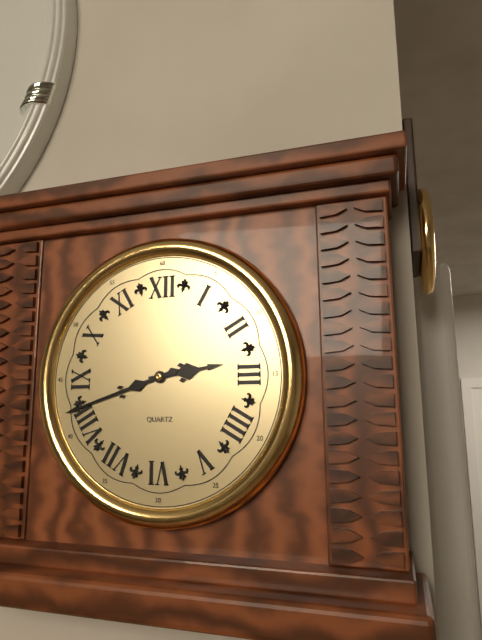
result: 2.42
